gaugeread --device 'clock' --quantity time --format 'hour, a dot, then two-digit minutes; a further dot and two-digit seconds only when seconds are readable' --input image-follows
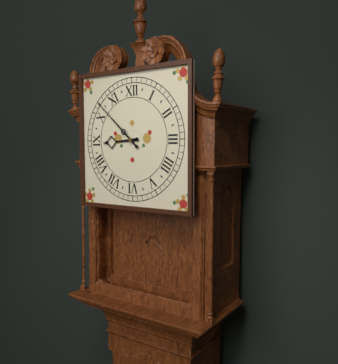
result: 8.52
